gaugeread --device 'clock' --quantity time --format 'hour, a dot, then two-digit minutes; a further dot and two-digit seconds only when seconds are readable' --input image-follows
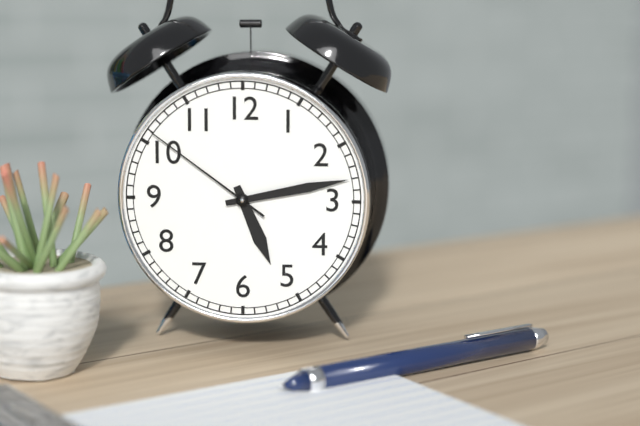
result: 5.13.51
